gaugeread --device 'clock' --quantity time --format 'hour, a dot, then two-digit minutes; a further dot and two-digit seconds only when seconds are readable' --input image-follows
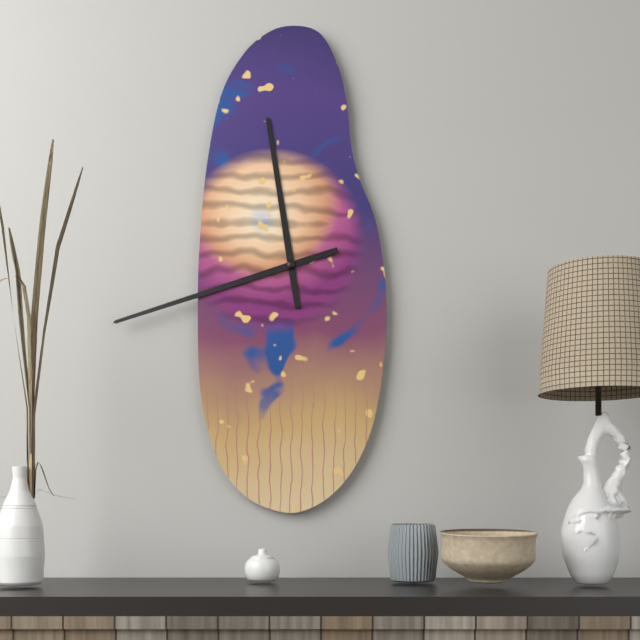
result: 11.42
